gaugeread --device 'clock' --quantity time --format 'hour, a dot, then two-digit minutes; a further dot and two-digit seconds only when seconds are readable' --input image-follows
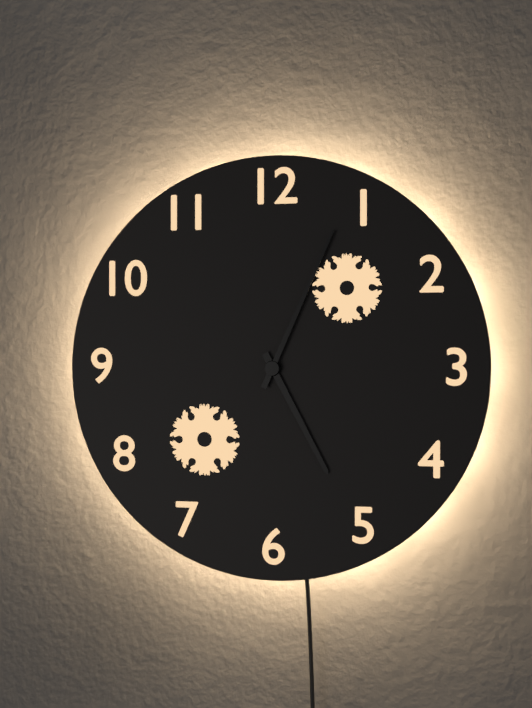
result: 5.04
